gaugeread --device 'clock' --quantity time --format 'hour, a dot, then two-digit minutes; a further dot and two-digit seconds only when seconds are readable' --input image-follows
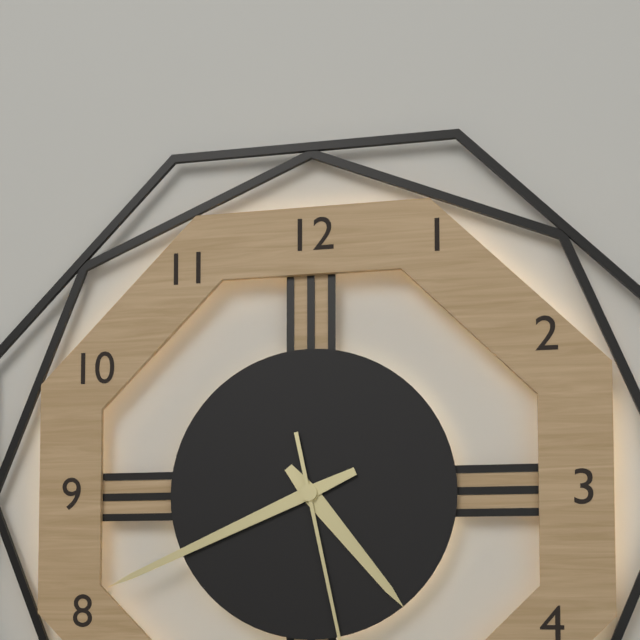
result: 4.41
